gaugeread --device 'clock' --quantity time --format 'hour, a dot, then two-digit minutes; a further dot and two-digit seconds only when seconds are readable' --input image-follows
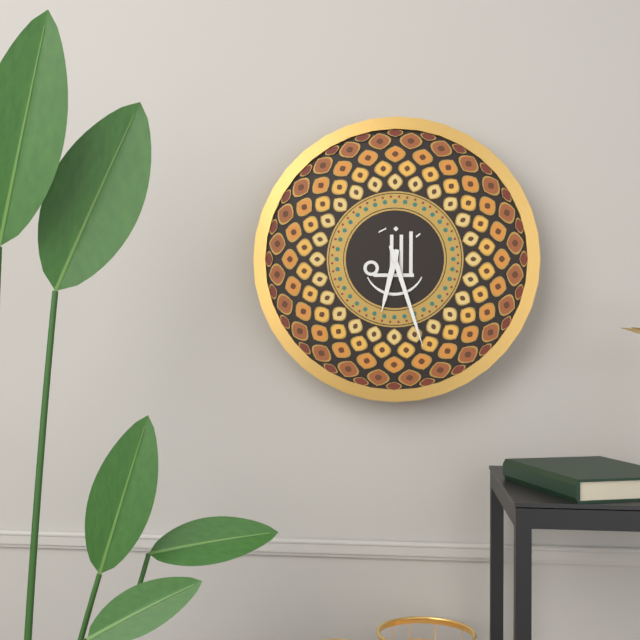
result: 6.27
